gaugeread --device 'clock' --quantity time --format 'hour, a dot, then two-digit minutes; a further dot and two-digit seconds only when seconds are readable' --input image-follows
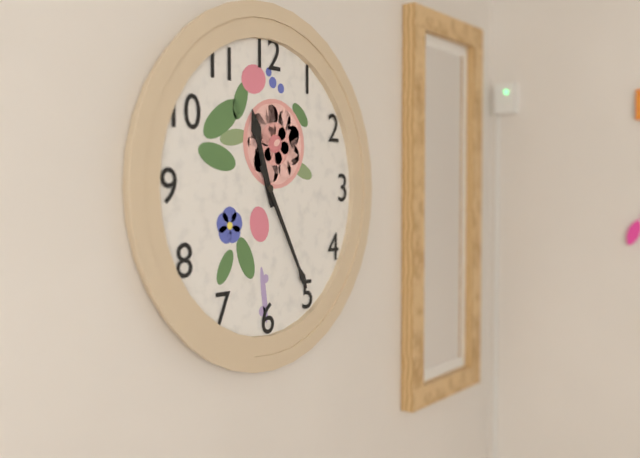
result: 11.25
